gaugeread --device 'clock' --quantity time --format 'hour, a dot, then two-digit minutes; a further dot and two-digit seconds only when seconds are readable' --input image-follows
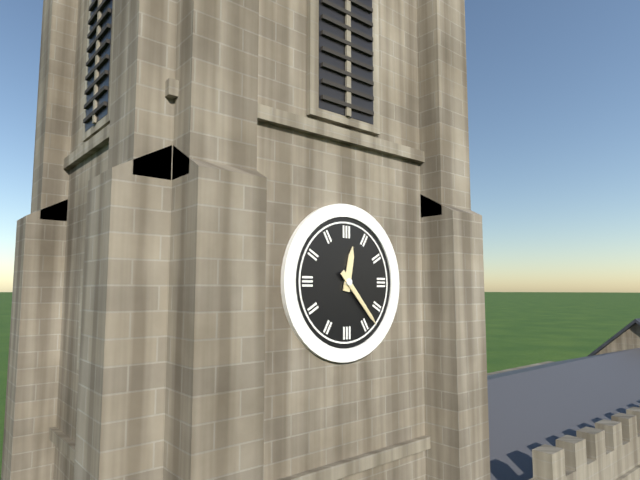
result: 12.23
